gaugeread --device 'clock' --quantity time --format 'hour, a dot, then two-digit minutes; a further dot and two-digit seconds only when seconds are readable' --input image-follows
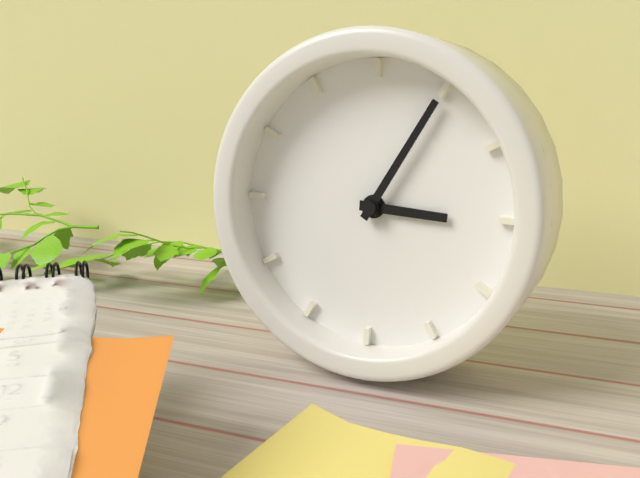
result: 3.05
